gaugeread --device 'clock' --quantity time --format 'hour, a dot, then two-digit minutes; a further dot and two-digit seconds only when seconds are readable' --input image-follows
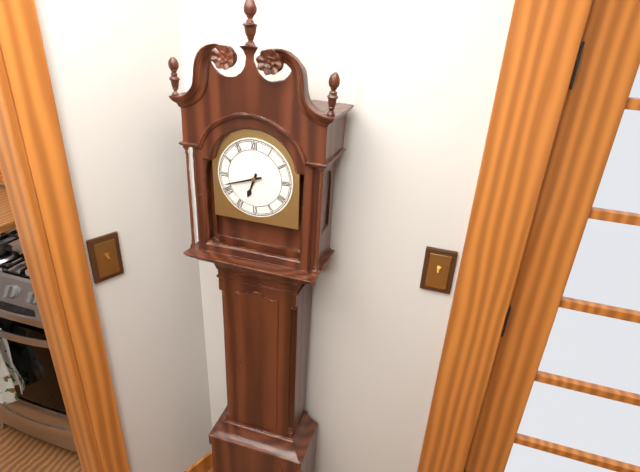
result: 6.42
